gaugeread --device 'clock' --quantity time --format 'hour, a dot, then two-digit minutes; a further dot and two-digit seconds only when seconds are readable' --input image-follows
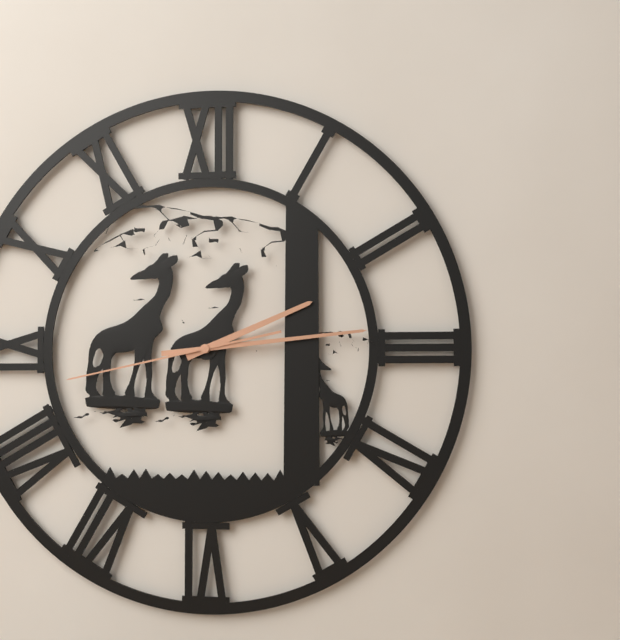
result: 2.14.43
